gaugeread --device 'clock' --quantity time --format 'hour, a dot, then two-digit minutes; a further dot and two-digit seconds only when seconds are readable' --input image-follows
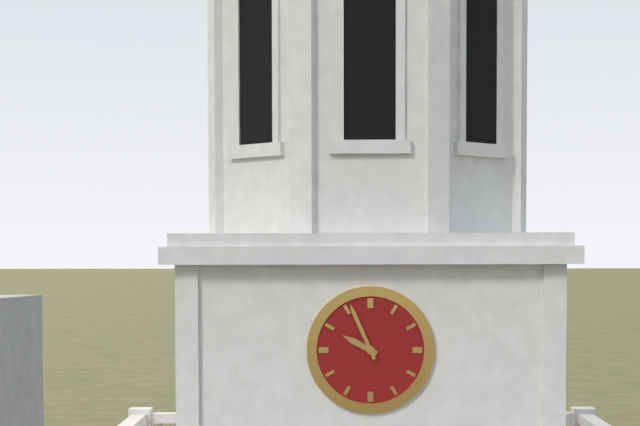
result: 9.56
